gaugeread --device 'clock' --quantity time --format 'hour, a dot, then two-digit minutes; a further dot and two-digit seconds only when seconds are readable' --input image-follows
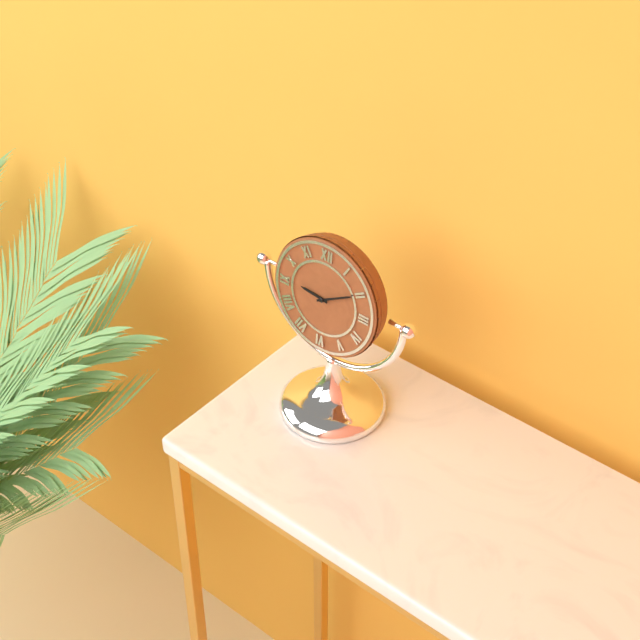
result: 9.10
